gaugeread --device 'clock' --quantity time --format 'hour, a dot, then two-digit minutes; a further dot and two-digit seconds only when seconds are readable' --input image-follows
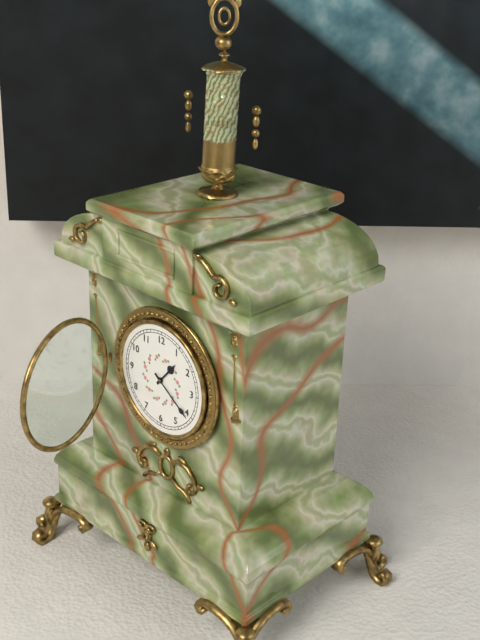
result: 1.21
